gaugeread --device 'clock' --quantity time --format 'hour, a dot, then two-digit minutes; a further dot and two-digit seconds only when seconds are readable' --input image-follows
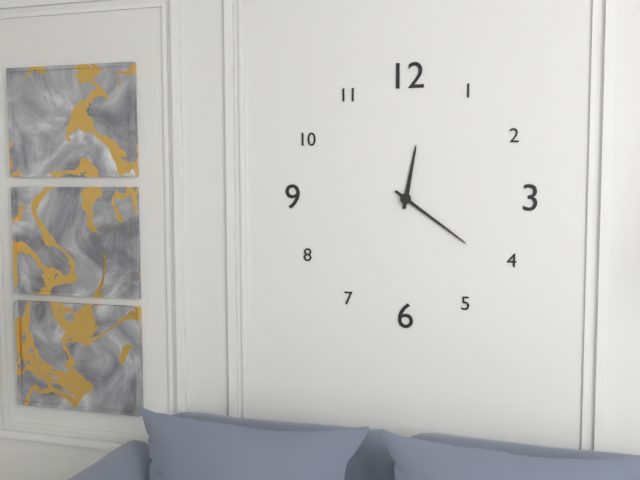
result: 12.21
